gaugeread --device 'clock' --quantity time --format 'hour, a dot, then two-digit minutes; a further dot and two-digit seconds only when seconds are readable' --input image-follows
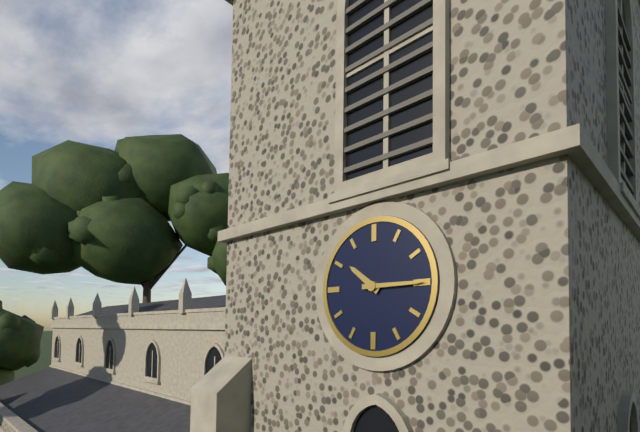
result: 10.15
